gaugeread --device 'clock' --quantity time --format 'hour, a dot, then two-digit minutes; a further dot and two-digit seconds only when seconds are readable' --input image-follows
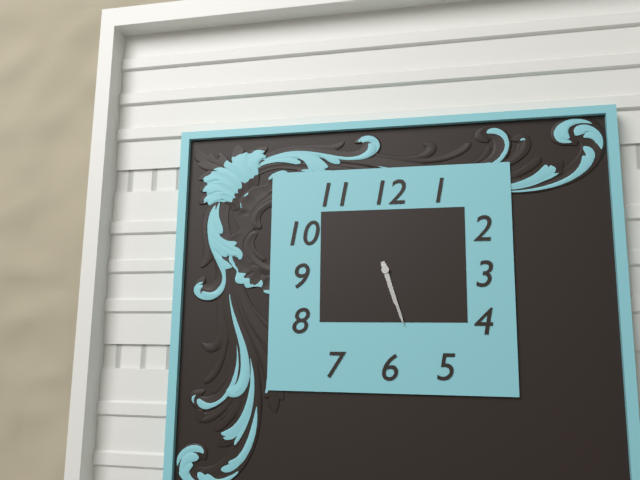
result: 5.27
